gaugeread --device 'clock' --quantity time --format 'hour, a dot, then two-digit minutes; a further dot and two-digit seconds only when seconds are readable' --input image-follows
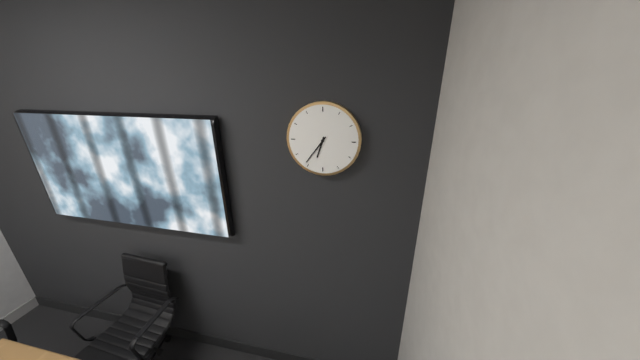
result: 6.36
